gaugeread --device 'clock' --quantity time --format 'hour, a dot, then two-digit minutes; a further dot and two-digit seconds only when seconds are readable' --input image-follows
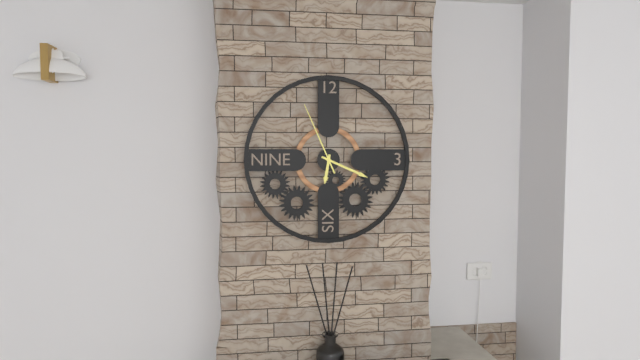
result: 6.19.56
